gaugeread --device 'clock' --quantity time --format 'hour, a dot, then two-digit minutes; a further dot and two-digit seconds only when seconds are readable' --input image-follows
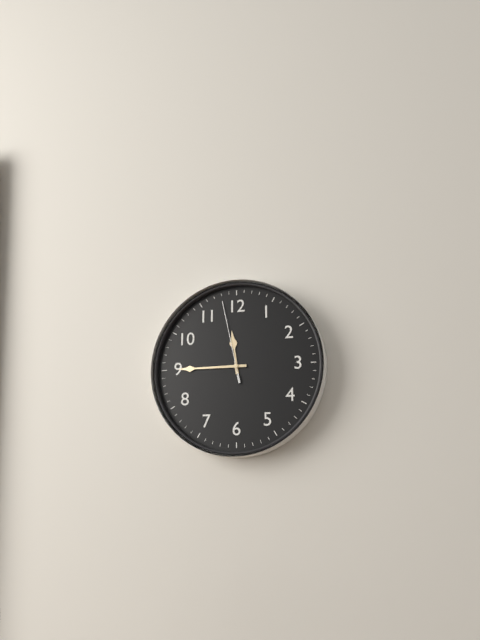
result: 11.45.58
